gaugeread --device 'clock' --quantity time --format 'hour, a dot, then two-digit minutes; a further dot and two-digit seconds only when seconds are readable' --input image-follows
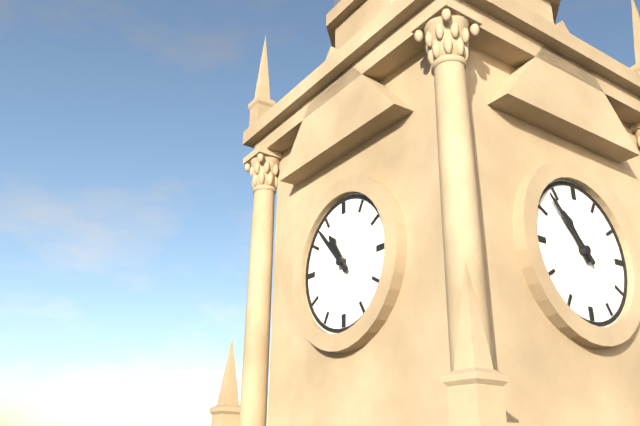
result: 10.53
